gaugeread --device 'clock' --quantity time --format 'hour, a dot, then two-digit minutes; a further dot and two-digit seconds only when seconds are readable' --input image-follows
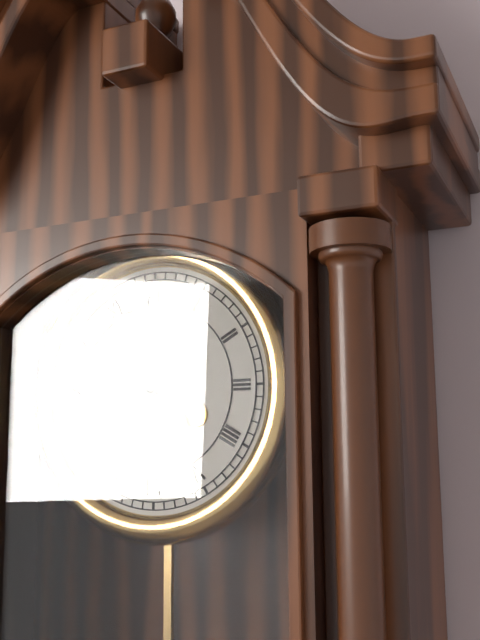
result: 4.37
